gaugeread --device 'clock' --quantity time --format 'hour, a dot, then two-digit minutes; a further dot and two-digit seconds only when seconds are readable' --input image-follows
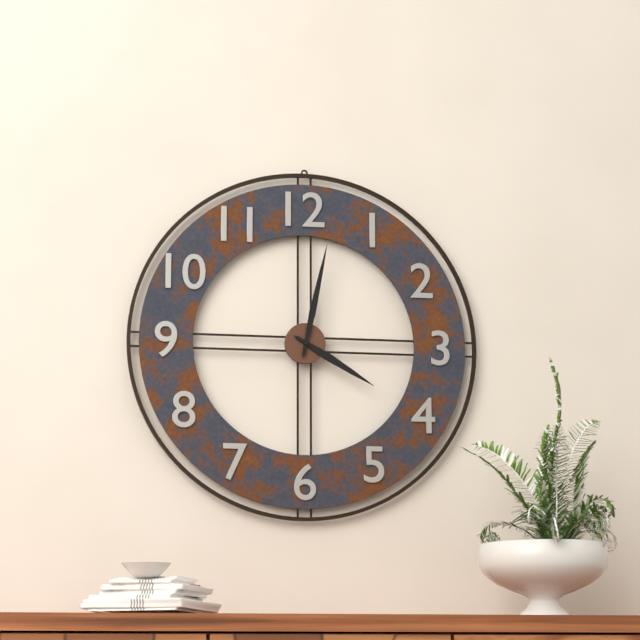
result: 4.02
